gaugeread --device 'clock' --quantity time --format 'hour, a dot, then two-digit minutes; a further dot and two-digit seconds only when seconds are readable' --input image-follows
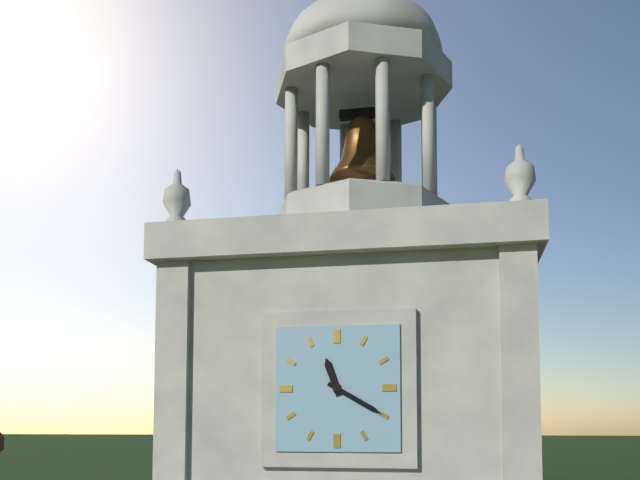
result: 11.20
